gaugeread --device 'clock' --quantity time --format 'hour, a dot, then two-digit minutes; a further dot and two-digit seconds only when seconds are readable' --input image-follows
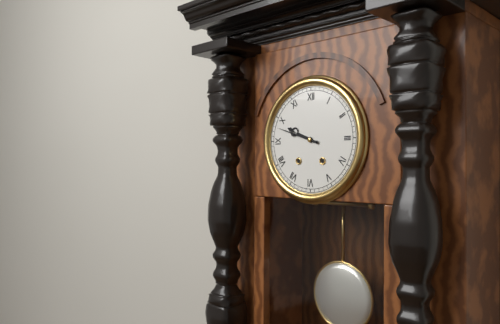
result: 9.48
